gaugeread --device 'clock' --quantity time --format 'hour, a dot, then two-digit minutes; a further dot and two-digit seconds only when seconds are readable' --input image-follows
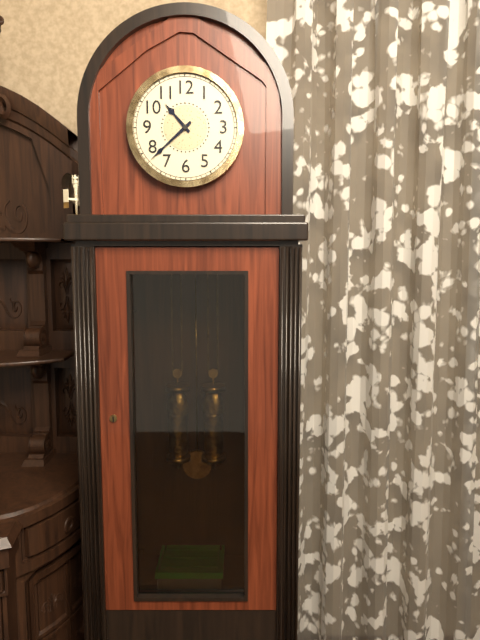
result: 10.38
